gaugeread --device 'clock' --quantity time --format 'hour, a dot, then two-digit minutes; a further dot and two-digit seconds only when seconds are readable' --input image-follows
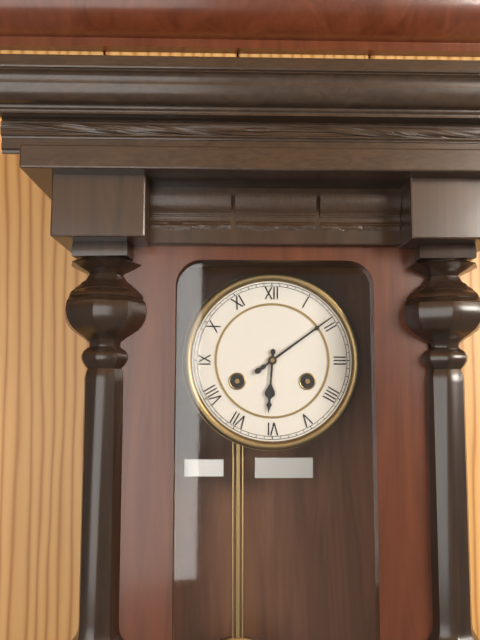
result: 6.09
